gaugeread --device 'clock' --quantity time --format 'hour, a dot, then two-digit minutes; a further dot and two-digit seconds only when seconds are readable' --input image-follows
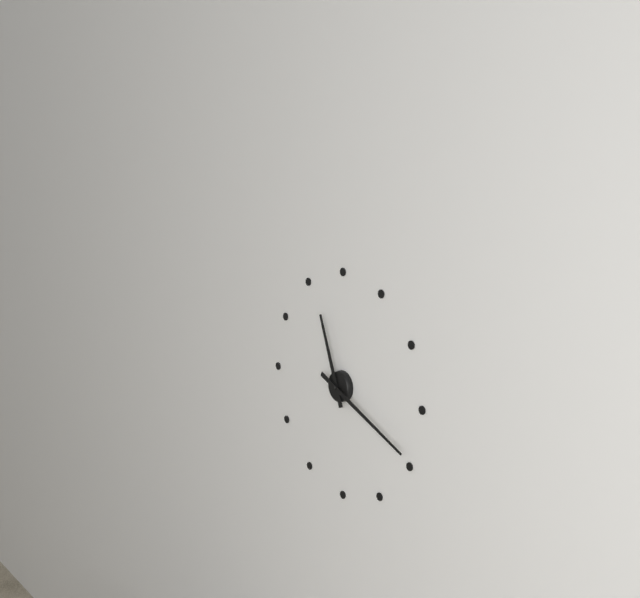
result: 11.19
